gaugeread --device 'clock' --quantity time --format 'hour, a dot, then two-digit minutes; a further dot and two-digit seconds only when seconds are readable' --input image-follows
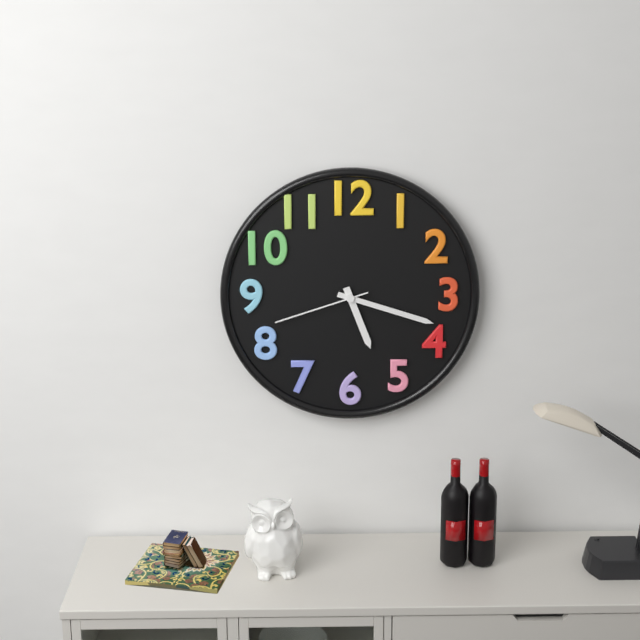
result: 5.18.42
